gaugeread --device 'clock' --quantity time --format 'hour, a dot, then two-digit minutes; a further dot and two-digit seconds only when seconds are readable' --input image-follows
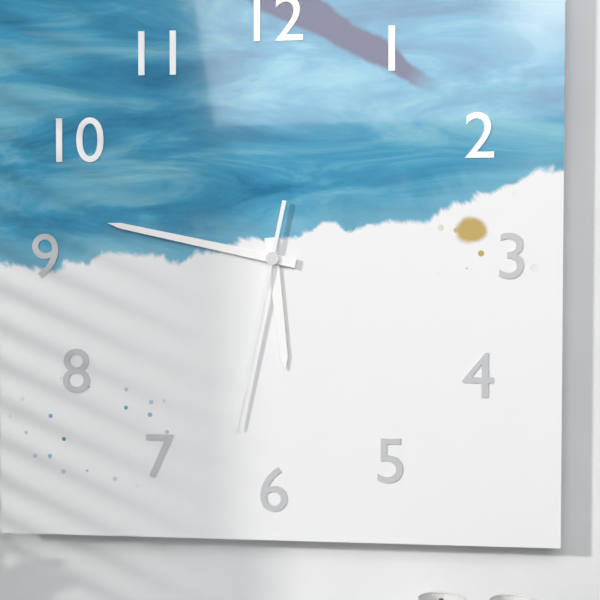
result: 5.47.32
